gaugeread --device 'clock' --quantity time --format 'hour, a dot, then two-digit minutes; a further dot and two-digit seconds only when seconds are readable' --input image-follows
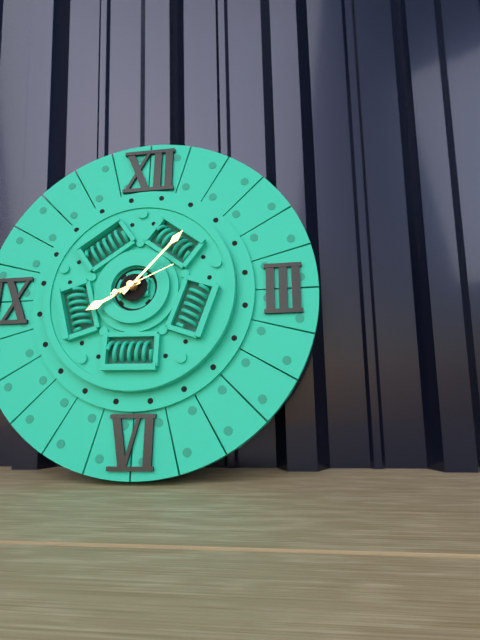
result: 8.07.11
